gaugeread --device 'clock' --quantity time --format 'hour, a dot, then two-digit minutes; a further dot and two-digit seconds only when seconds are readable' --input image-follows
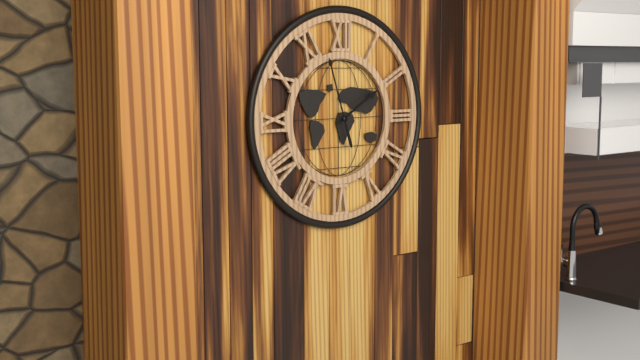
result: 1.57
